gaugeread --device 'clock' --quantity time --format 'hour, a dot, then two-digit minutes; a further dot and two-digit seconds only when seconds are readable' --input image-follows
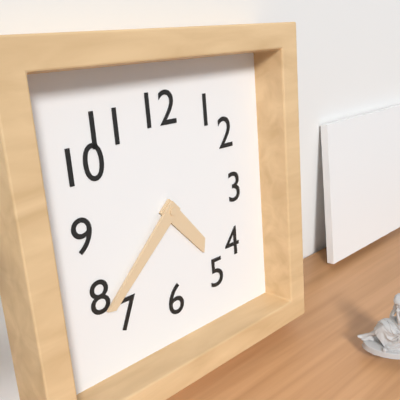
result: 4.38
